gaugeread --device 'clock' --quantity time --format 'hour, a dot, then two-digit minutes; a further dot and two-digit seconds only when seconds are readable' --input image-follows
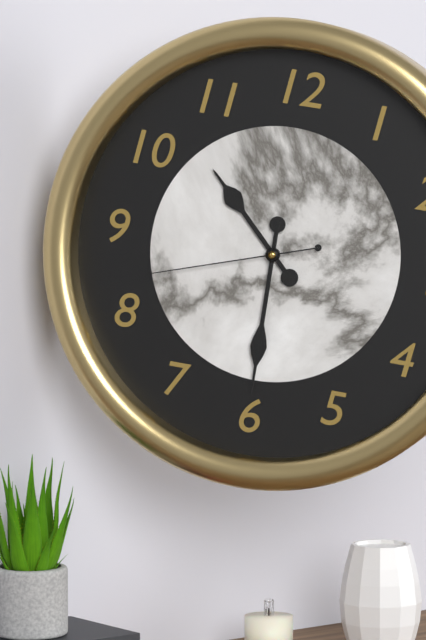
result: 10.30.42
